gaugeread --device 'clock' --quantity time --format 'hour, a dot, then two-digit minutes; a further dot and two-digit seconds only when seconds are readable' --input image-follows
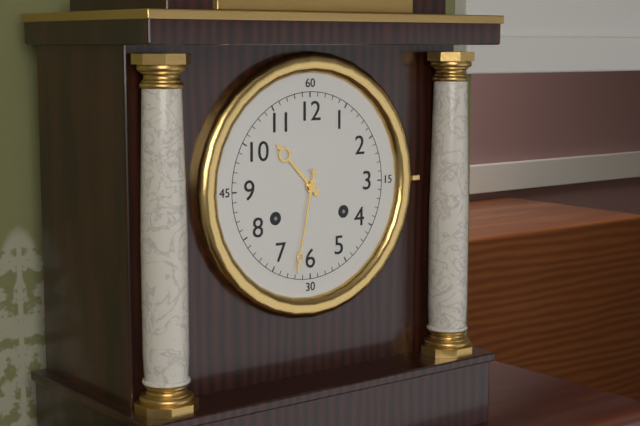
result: 10.32
